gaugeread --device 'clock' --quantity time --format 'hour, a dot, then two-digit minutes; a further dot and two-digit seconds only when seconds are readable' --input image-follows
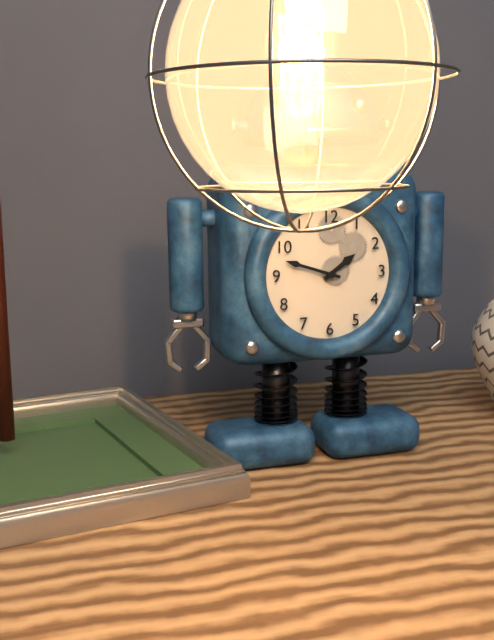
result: 1.48
